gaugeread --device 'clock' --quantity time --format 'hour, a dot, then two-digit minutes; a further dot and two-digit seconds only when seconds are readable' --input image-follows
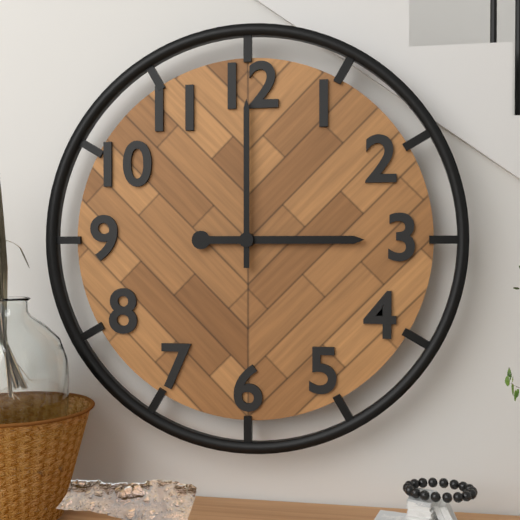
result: 3.00
